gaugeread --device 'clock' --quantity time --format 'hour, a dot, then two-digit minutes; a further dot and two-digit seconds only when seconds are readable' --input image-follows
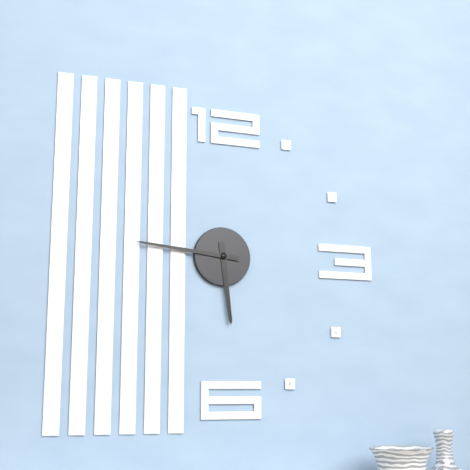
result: 5.46
